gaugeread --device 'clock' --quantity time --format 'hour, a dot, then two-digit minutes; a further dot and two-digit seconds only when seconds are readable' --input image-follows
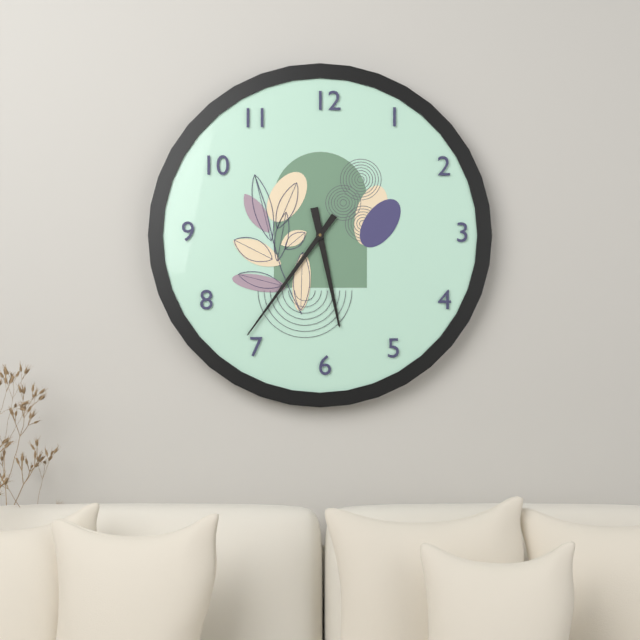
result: 5.36
